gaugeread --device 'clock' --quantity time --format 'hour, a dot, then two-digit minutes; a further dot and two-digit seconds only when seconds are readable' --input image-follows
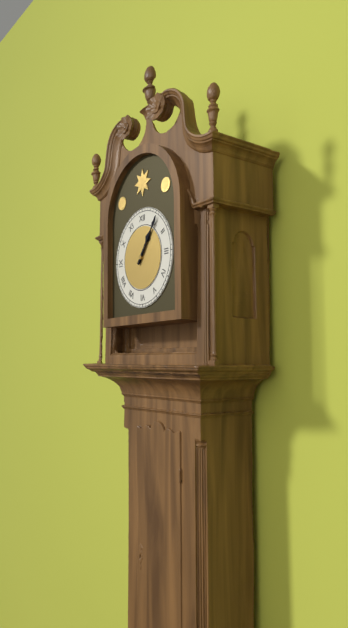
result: 1.06
